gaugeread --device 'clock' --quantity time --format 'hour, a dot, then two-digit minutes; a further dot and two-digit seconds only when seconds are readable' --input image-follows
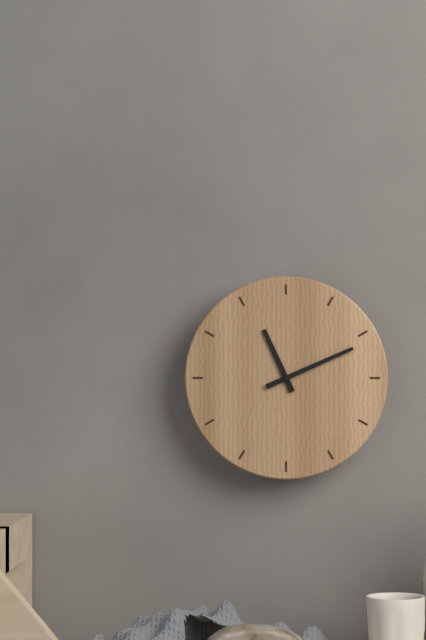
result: 11.11
